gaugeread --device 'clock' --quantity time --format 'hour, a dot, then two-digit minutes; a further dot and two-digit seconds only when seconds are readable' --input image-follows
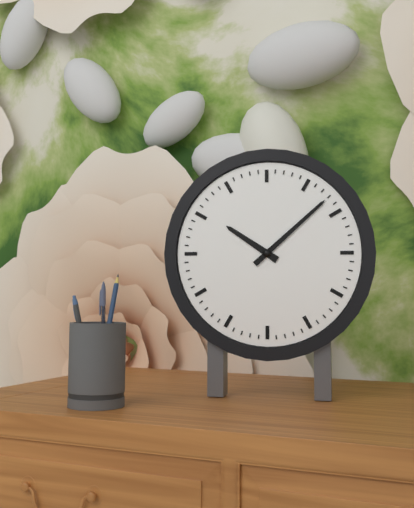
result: 10.08
